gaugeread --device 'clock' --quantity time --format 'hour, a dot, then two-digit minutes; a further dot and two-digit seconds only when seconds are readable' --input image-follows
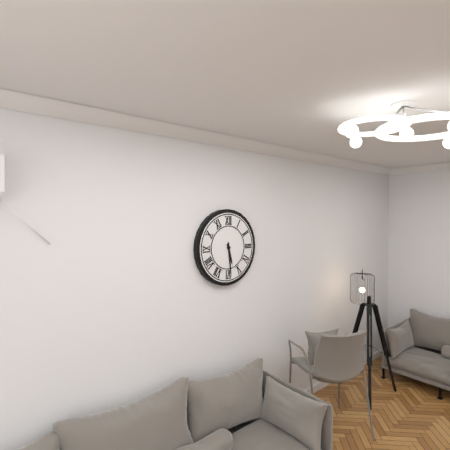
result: 5.29
